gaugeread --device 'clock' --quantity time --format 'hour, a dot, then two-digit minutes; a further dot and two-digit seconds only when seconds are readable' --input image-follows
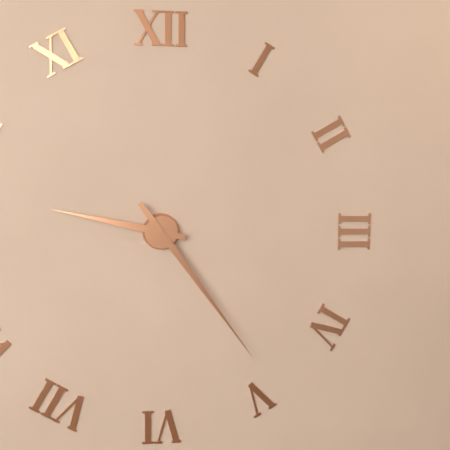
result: 9.24
